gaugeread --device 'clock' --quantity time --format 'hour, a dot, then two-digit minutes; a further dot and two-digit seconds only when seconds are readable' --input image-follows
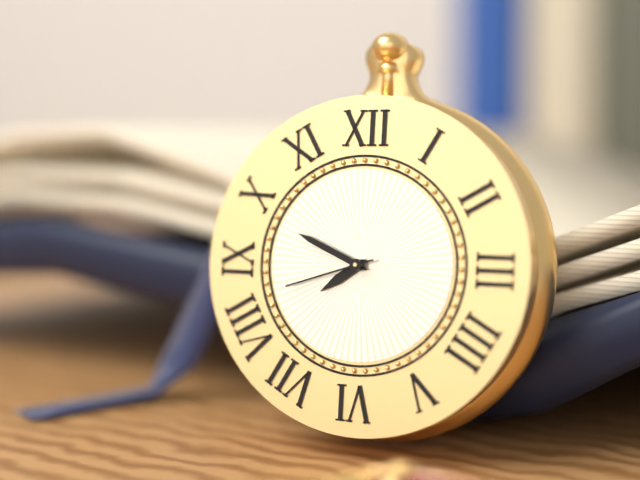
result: 7.49.42
